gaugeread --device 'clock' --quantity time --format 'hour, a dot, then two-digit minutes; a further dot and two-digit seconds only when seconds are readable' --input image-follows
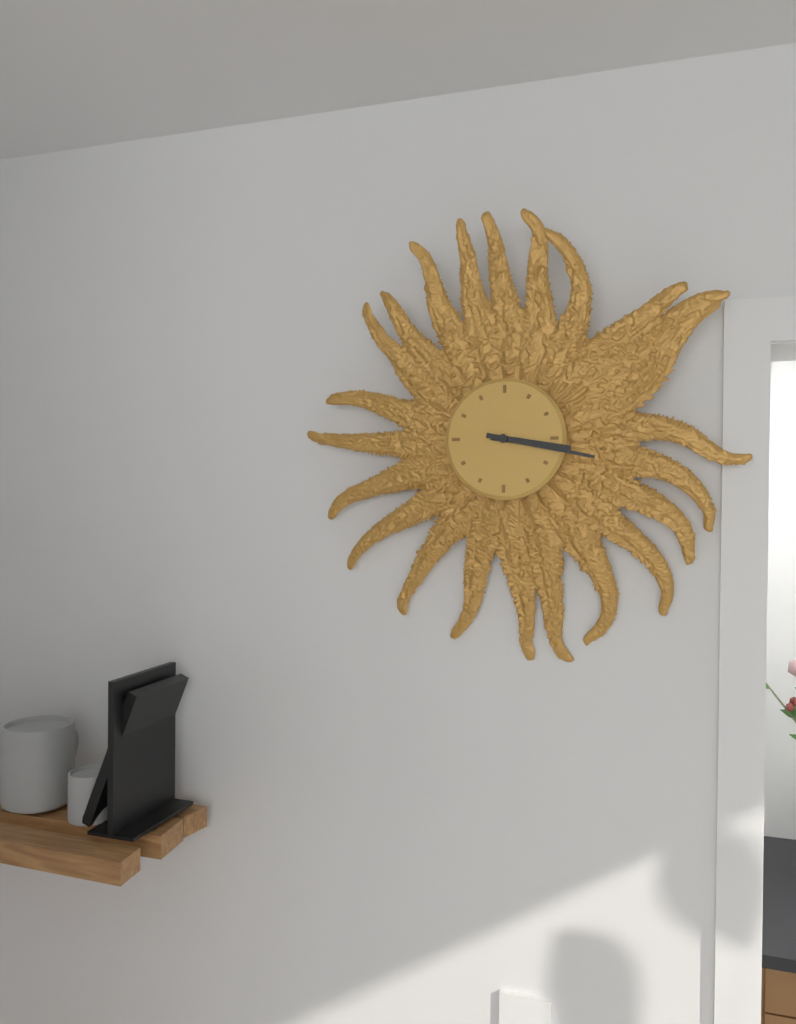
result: 3.17
